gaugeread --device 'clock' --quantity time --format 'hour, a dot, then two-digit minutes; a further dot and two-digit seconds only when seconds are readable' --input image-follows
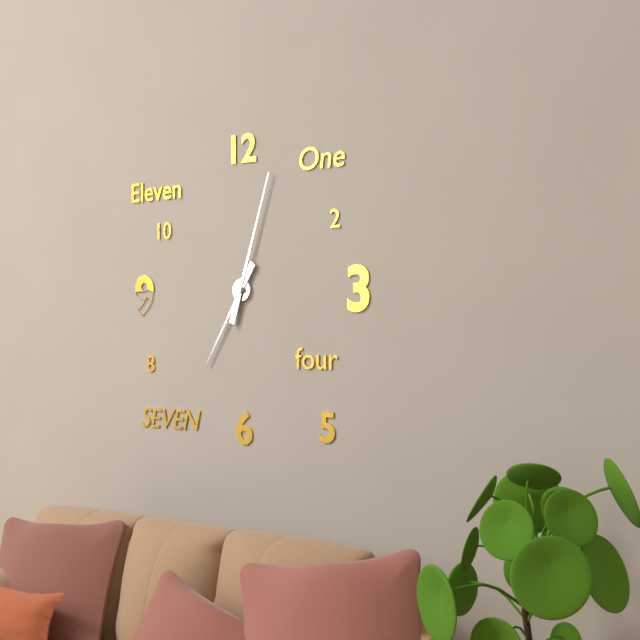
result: 7.03
